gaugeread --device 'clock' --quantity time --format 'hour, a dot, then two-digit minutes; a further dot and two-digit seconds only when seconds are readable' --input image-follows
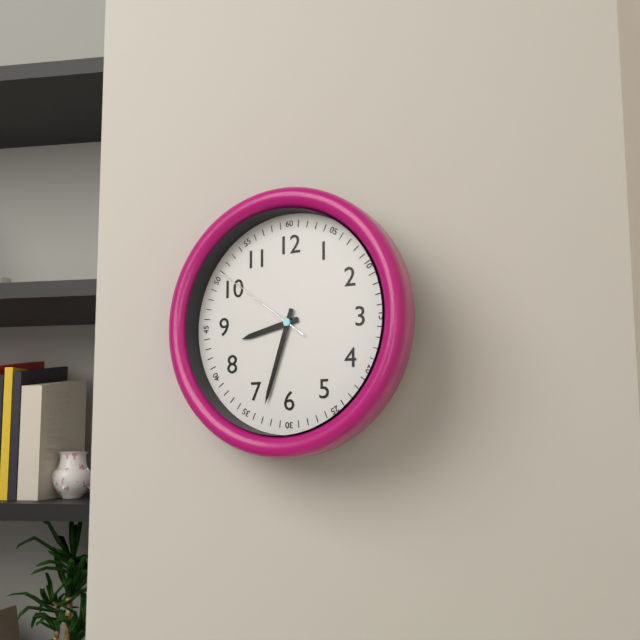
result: 8.33.51
